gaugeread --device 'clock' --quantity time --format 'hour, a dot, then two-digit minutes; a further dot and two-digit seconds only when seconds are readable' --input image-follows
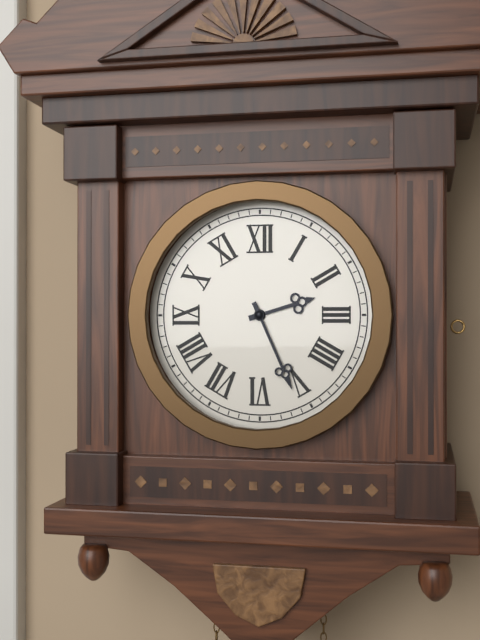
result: 2.26
